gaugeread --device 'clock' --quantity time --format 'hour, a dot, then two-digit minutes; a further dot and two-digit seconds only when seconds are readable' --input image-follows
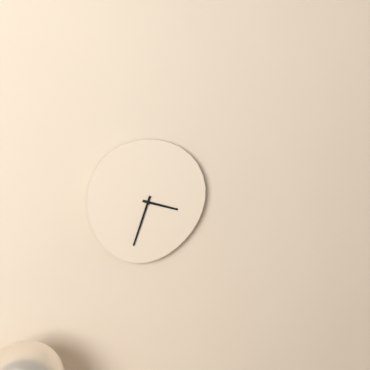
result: 3.33
